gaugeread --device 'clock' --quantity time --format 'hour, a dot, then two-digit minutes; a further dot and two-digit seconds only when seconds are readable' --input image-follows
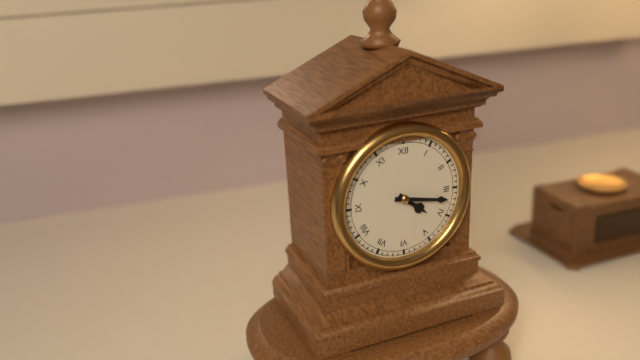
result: 4.17
